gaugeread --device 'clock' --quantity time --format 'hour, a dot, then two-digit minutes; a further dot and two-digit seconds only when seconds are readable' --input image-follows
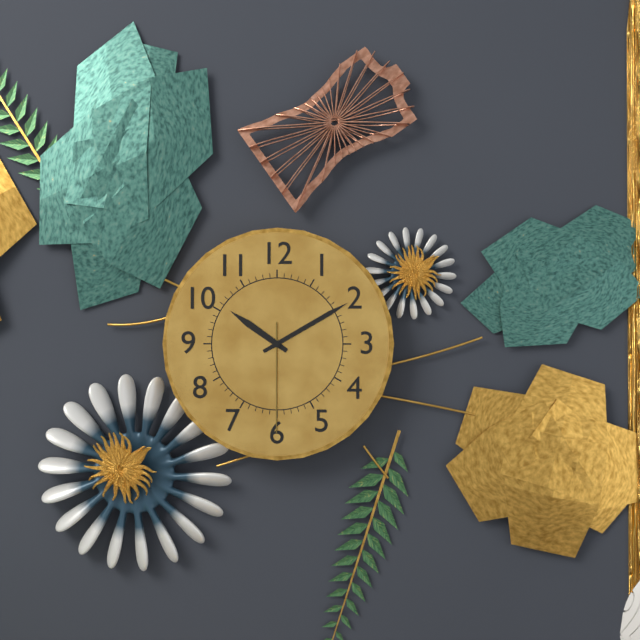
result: 10.10.30
